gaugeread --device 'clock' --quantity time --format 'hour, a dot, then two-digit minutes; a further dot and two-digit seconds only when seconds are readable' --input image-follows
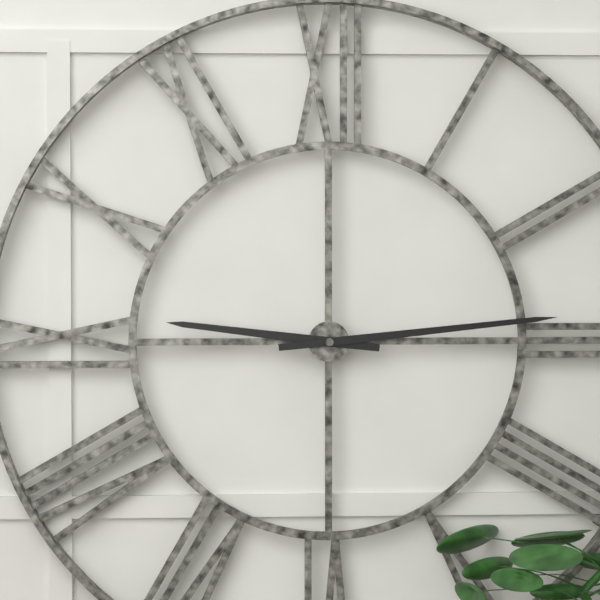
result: 9.14
